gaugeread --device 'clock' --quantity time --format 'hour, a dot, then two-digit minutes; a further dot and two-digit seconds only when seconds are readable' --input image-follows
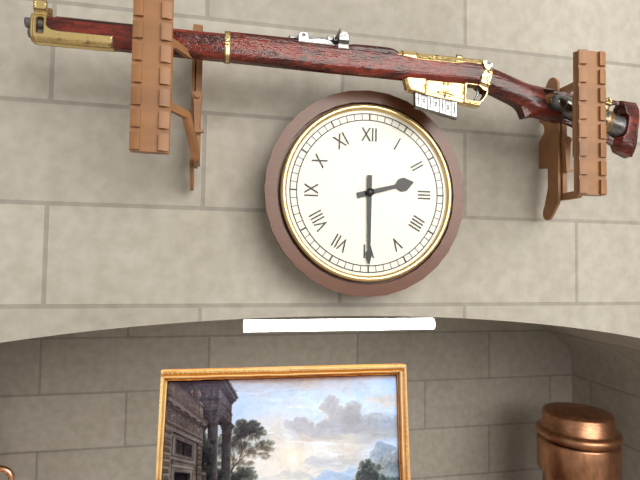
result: 2.30
